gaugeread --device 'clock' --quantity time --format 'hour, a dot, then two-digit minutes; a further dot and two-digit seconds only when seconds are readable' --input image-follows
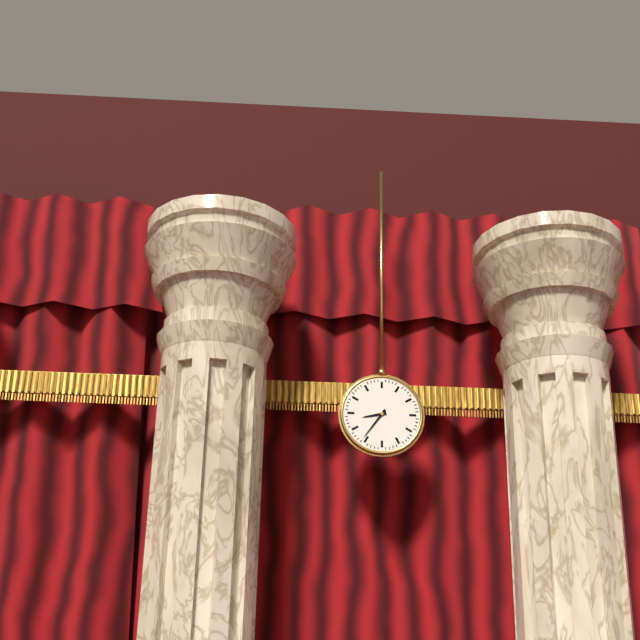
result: 8.36
